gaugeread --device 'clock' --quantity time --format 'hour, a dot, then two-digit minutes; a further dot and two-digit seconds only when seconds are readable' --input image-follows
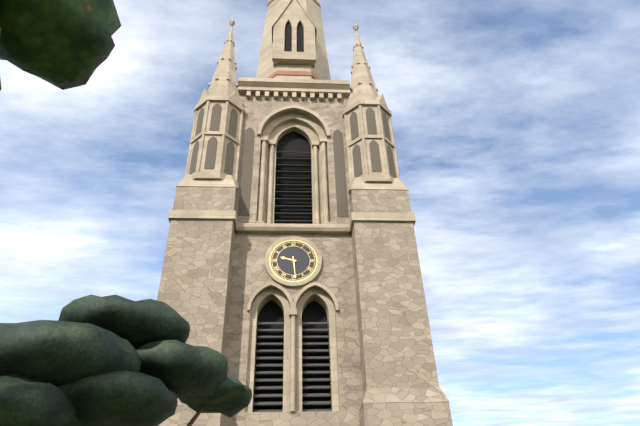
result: 9.29
